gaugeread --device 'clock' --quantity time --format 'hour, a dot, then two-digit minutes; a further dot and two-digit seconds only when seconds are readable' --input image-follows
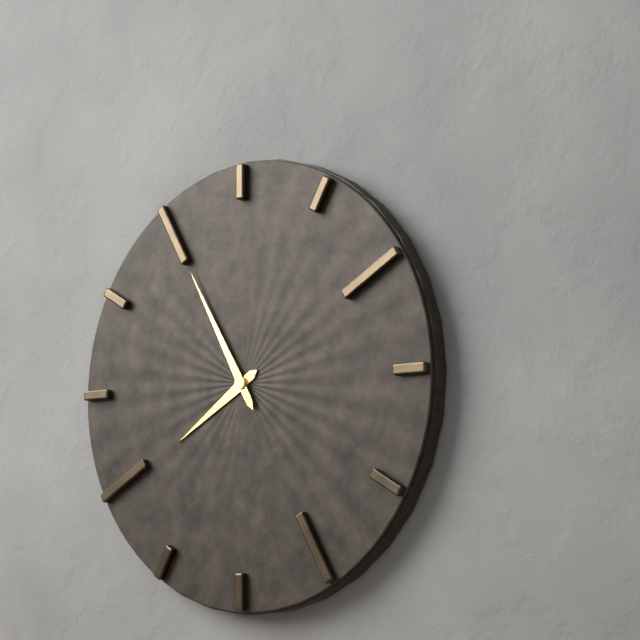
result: 7.55
